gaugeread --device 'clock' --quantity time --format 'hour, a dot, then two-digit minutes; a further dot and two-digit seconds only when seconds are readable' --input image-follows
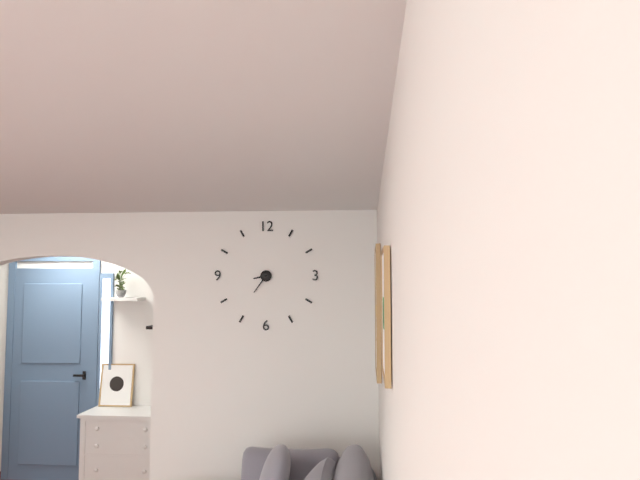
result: 8.36
